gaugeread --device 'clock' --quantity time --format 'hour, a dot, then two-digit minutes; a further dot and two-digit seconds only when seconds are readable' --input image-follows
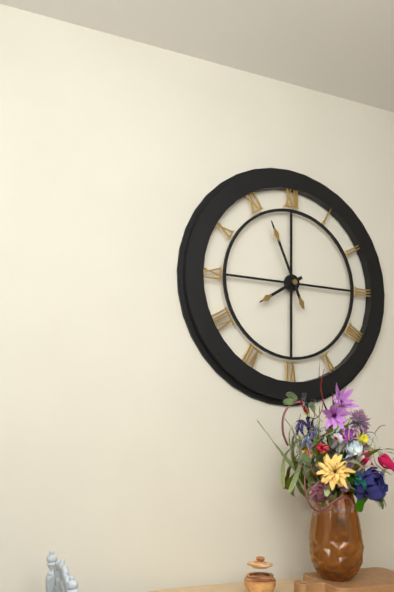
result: 7.56
